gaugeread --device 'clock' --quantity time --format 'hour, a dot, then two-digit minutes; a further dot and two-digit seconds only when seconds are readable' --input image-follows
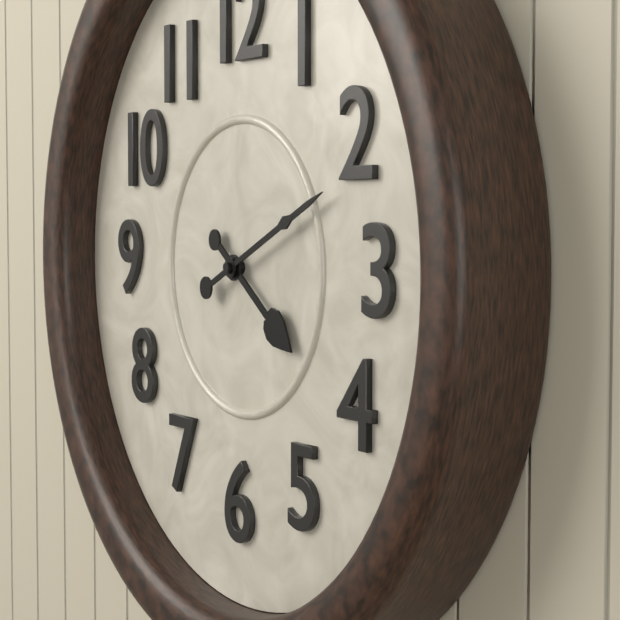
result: 4.11
